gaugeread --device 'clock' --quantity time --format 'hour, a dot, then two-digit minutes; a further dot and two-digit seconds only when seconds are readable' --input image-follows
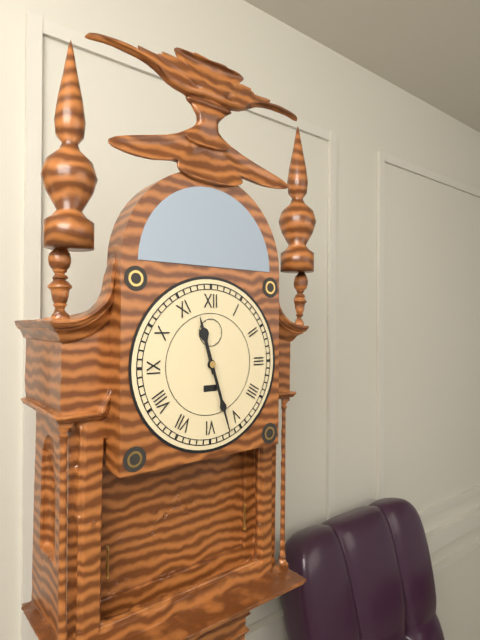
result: 11.27
